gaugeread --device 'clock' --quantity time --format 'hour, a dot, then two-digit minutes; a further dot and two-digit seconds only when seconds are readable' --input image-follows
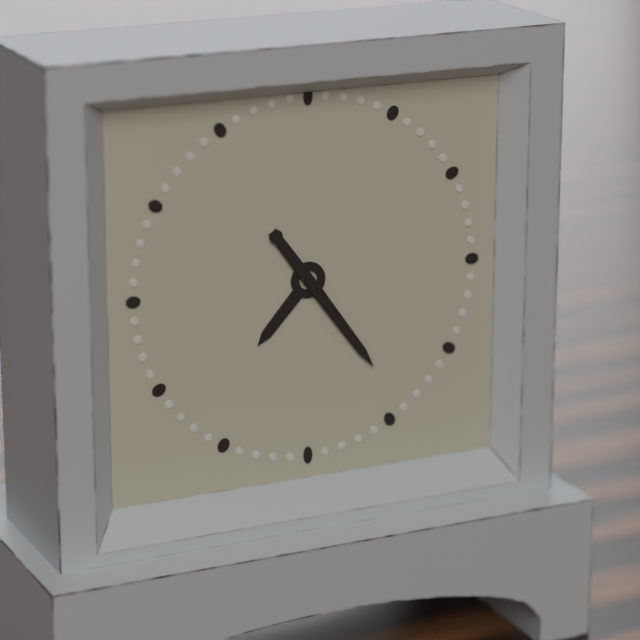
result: 7.24
